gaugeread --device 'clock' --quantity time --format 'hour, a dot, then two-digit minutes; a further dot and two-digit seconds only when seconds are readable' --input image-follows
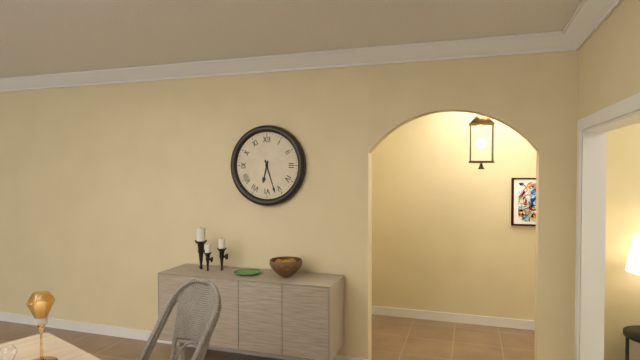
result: 6.27
